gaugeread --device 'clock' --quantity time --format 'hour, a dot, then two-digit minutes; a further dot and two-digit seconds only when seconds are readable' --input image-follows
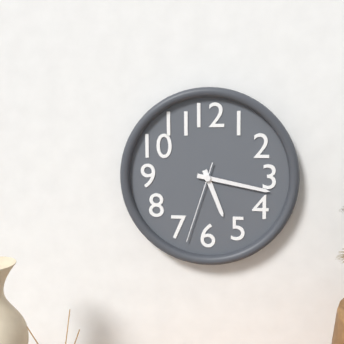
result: 5.17.33
